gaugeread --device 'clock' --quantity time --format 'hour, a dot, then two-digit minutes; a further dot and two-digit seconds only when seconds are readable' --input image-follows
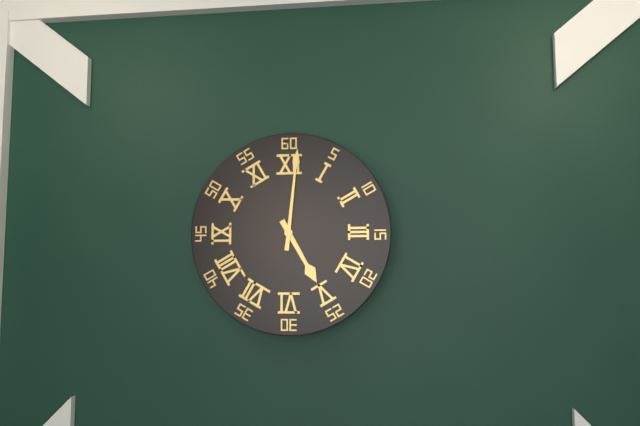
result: 5.01
